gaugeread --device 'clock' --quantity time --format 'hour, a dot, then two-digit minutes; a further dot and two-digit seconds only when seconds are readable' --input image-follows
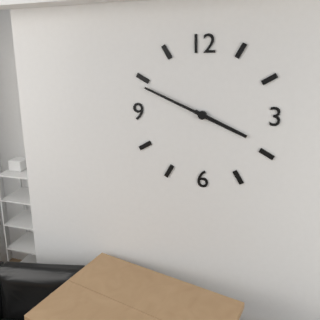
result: 3.49
